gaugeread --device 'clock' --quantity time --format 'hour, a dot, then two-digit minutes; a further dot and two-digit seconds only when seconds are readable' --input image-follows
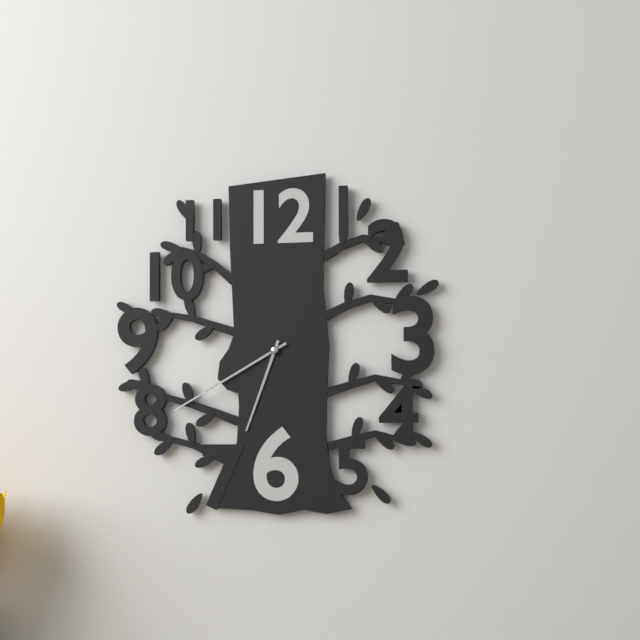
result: 6.40
